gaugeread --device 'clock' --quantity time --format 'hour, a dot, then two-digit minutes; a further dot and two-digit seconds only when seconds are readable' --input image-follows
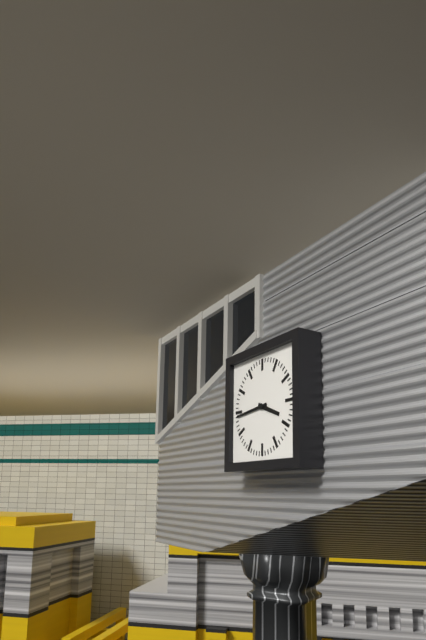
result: 3.44
